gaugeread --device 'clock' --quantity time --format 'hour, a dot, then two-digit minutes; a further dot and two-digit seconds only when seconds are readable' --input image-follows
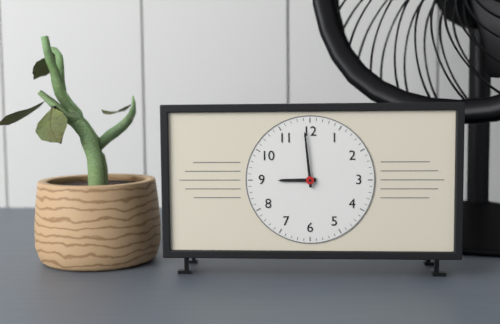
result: 8.59
